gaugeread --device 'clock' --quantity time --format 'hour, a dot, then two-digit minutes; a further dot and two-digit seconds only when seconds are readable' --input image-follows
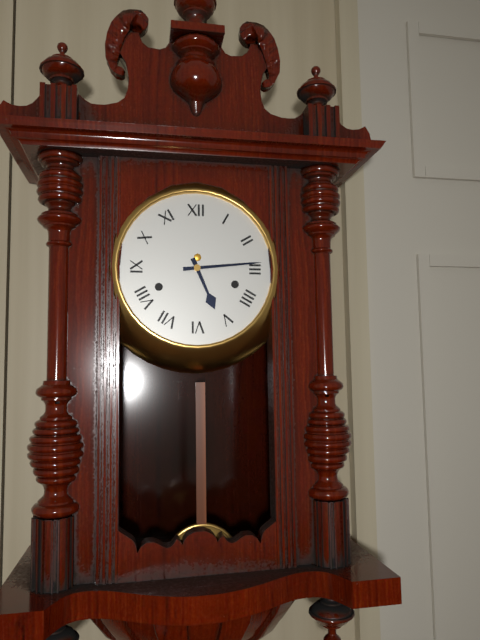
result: 5.14
